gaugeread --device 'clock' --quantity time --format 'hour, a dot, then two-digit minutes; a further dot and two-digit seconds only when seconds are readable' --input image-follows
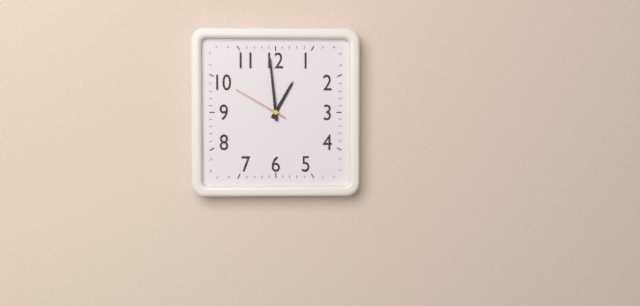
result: 12.59.50
